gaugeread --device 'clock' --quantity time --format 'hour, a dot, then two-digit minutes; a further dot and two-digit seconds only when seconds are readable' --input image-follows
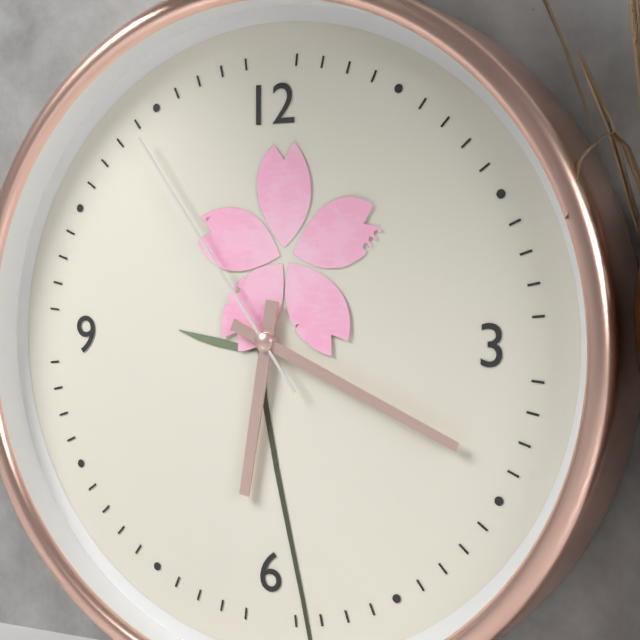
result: 6.19.54
